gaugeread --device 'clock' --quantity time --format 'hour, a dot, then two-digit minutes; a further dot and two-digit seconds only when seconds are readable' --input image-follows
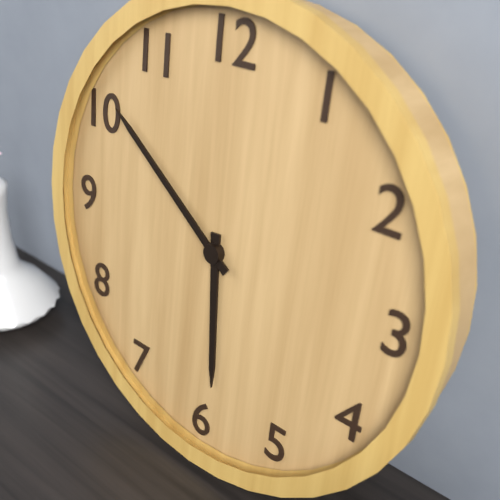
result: 5.51
